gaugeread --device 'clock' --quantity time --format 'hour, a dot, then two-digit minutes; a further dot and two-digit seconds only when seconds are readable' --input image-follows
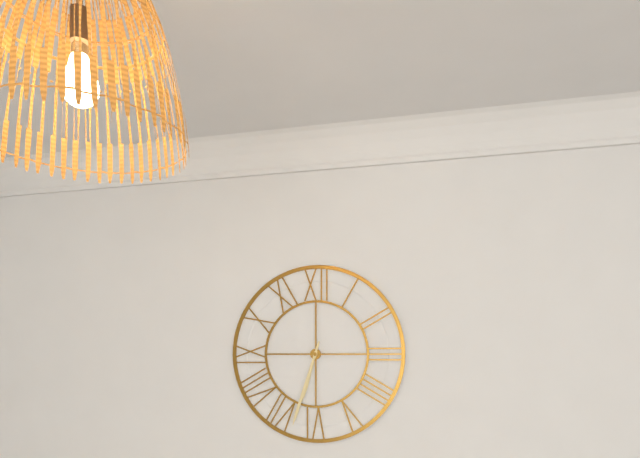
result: 6.33
